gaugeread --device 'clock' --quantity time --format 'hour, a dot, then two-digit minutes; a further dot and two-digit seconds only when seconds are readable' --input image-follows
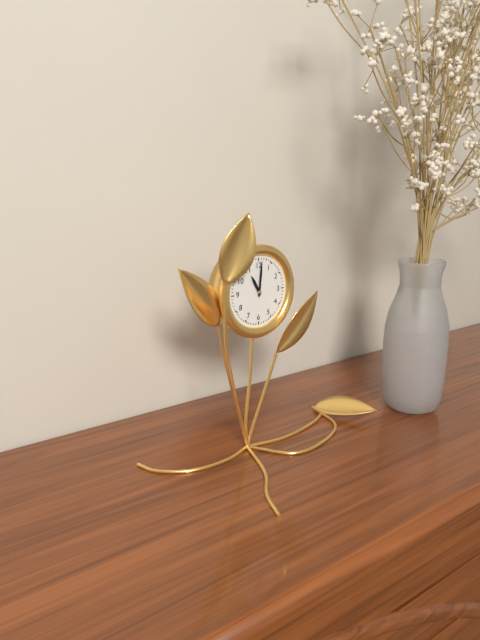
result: 11.01
